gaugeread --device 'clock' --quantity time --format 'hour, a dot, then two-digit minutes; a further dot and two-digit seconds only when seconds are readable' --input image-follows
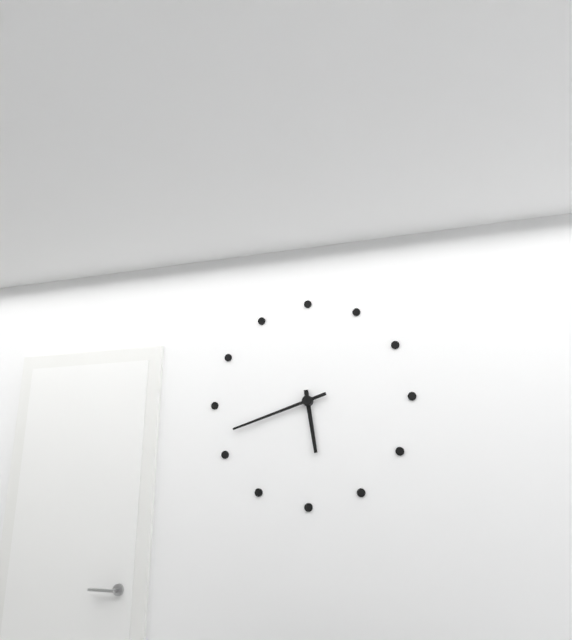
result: 5.42
